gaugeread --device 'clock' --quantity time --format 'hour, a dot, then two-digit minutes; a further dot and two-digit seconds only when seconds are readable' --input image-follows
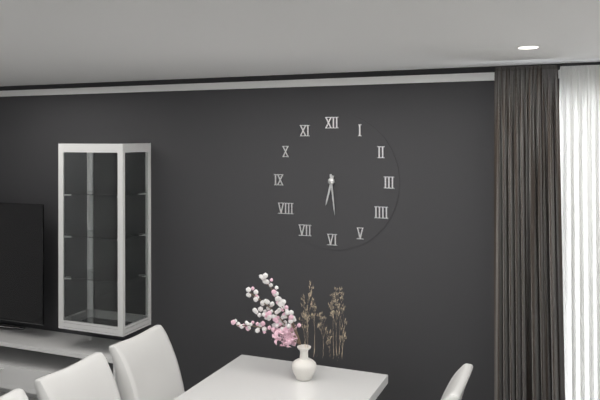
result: 6.29
